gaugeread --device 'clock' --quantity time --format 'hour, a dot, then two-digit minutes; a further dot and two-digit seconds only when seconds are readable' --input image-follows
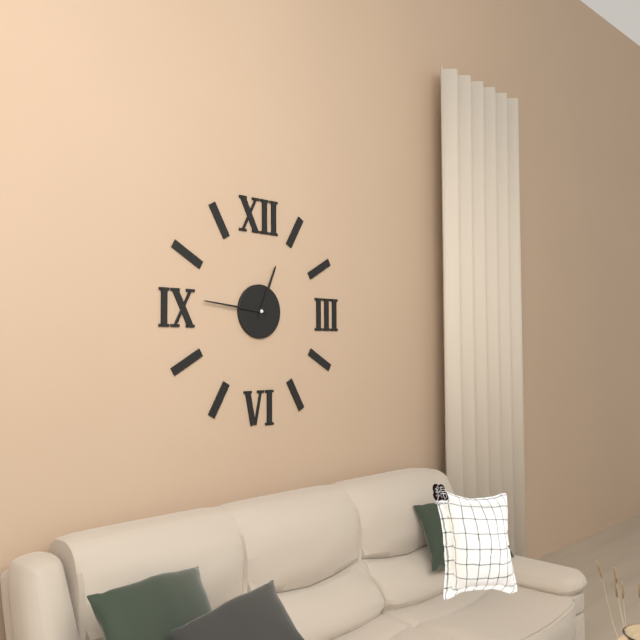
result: 12.46
